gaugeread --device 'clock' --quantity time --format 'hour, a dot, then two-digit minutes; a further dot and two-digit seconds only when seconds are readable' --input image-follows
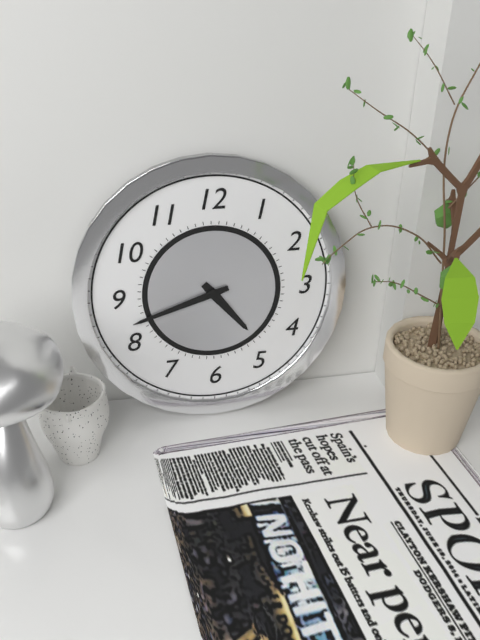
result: 4.42
